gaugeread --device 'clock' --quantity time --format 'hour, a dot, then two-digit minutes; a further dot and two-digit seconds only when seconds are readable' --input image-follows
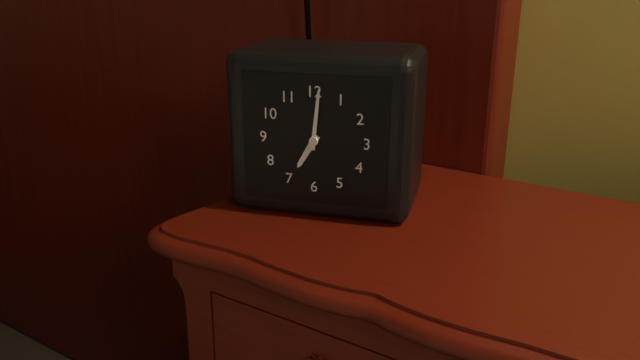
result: 7.01
